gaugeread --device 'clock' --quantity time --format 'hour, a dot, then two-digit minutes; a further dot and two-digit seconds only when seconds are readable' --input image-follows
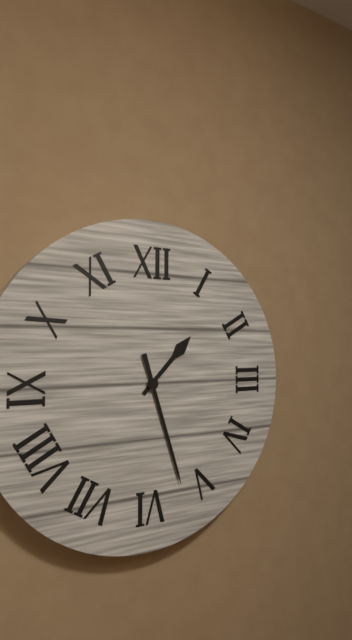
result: 1.27
